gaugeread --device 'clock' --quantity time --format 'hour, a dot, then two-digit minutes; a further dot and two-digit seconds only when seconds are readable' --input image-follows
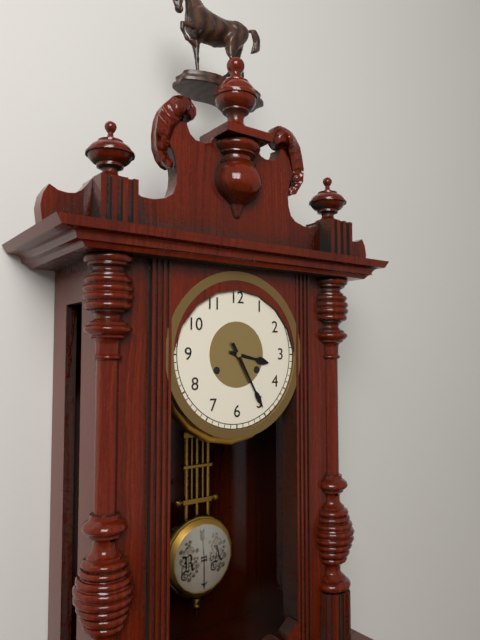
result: 3.25
